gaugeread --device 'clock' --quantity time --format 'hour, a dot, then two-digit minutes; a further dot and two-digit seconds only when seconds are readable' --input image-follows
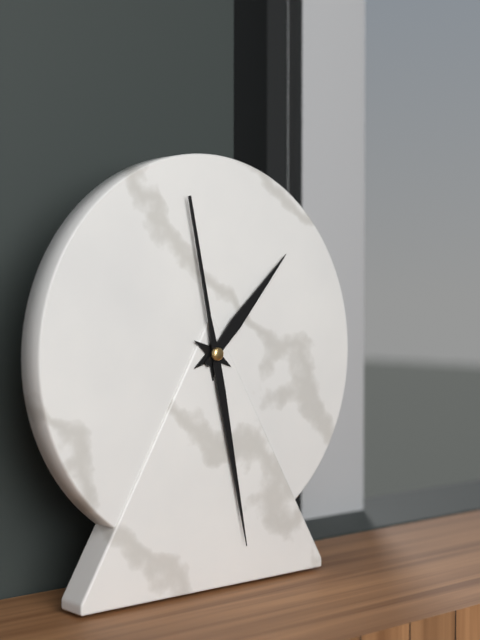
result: 1.28
